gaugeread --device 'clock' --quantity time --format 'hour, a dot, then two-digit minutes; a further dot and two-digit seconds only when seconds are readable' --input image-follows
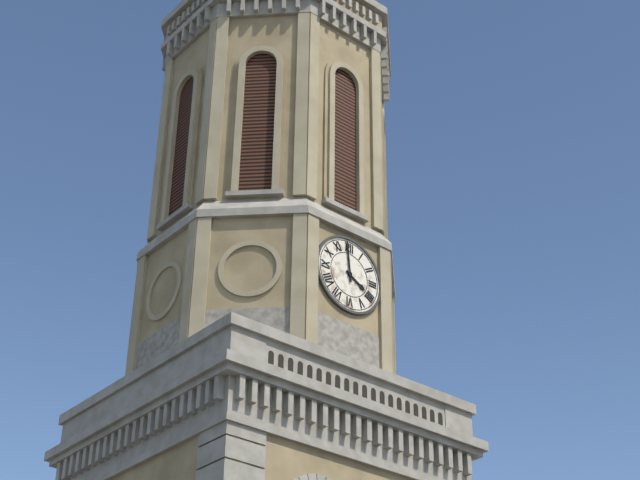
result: 3.59
